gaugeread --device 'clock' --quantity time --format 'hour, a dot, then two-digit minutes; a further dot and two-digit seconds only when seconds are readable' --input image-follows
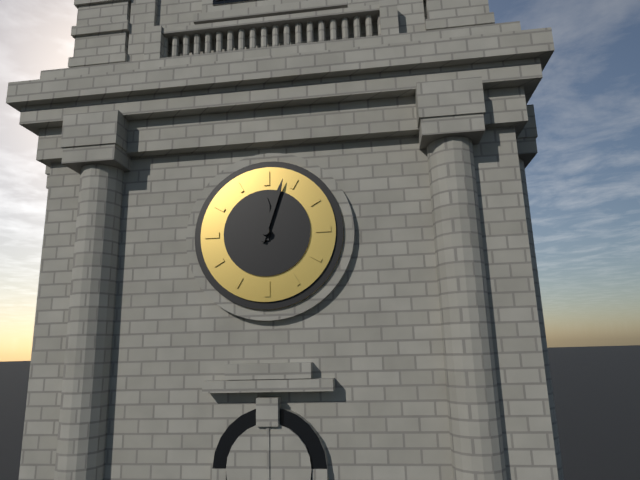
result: 12.03
